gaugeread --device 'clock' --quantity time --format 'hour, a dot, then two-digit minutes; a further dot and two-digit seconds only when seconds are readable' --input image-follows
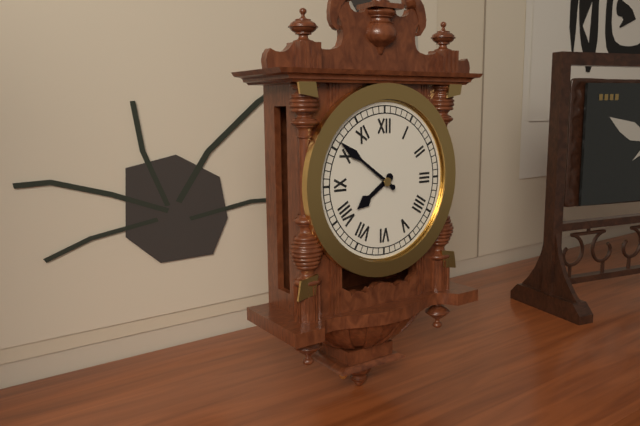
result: 7.51
